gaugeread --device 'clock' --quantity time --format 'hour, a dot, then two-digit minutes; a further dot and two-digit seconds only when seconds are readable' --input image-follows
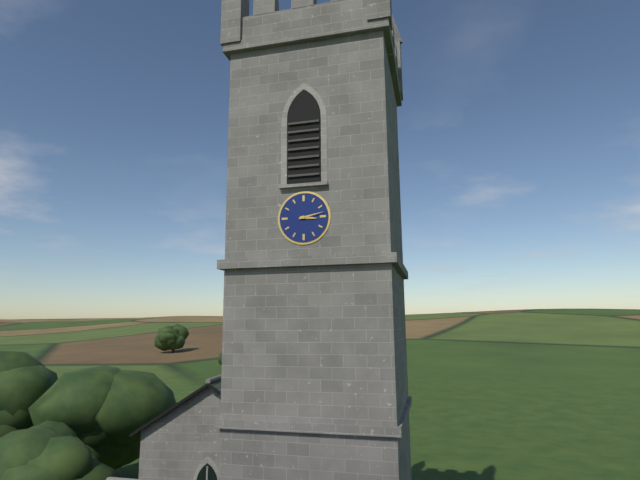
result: 3.13
